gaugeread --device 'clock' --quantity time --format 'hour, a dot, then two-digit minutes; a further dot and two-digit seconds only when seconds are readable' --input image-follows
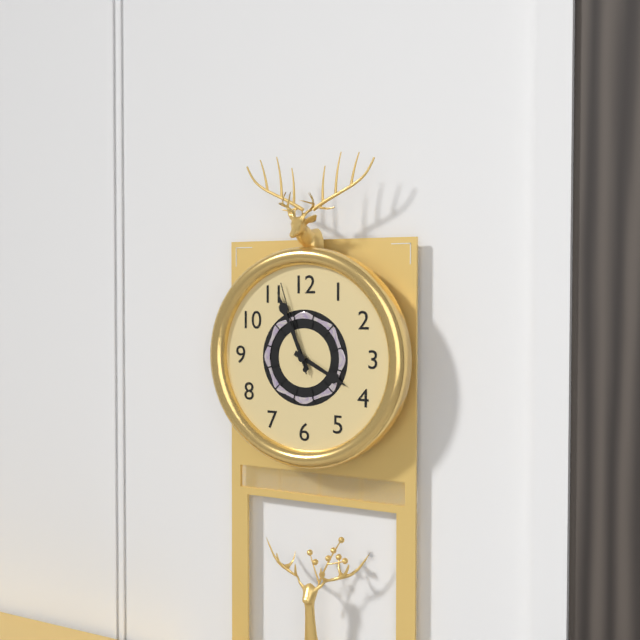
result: 3.56.57
